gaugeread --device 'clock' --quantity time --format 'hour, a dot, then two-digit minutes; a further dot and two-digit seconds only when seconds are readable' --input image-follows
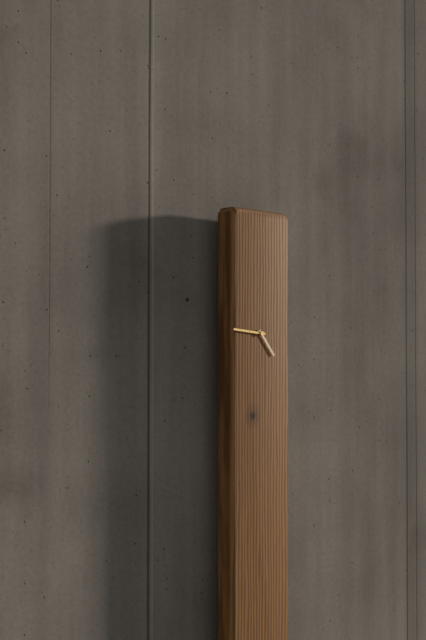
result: 4.46
